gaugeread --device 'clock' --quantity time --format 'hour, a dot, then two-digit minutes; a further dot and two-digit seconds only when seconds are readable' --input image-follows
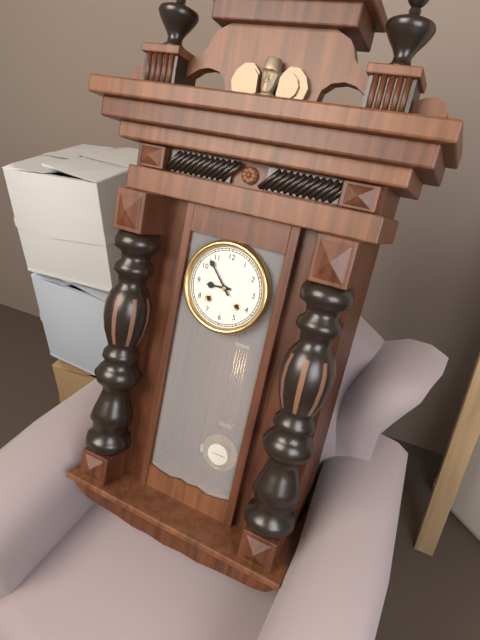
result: 8.53
